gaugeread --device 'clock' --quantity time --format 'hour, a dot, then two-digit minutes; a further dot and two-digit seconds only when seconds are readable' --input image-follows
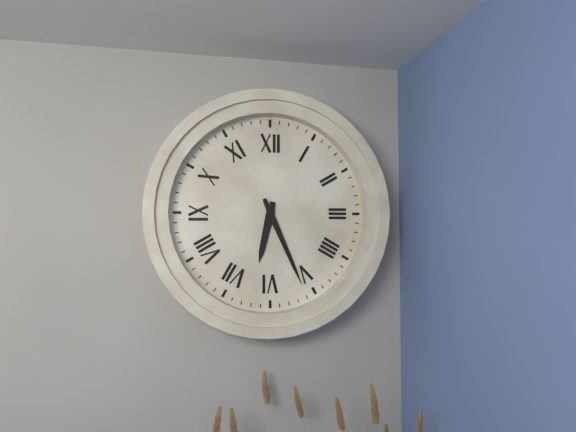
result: 6.26
